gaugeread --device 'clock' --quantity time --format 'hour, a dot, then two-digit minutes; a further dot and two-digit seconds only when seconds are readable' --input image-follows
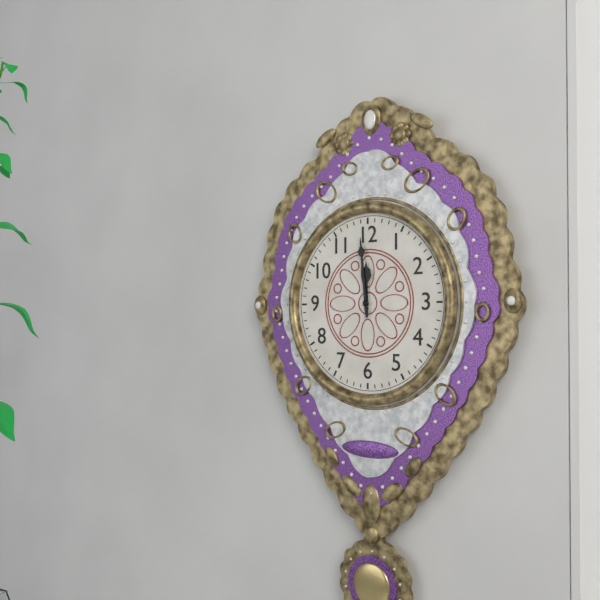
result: 11.59
